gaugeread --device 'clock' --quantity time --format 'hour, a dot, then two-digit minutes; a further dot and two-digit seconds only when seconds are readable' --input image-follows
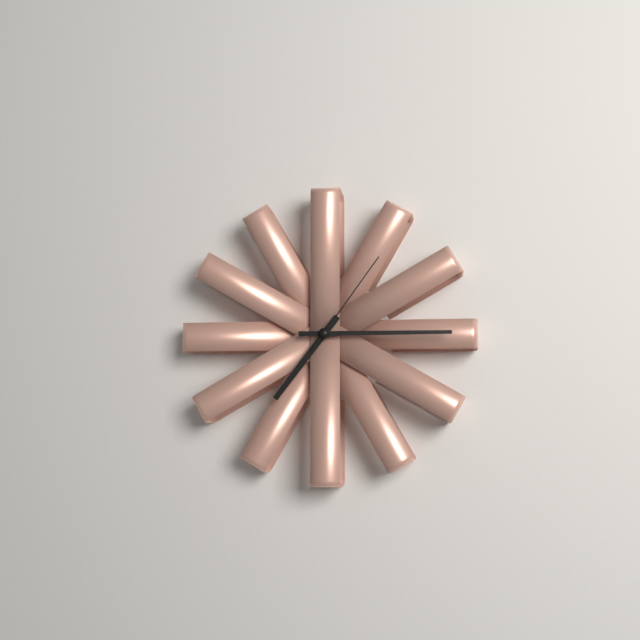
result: 7.15.06
